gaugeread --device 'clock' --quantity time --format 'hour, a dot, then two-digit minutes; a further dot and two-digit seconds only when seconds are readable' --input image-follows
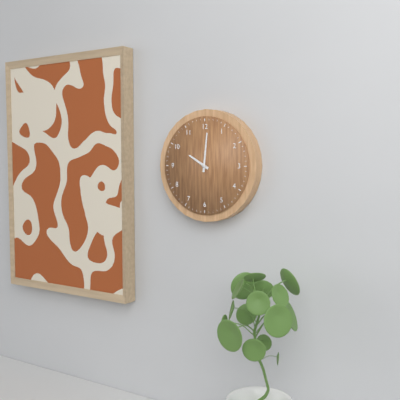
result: 10.01
